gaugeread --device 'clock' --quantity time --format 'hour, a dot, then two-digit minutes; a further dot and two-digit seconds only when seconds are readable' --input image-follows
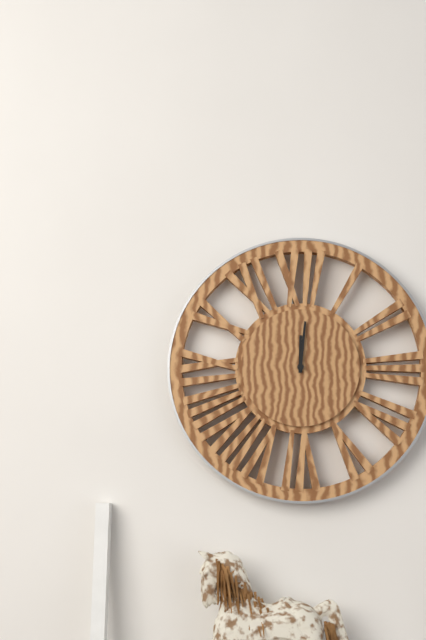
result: 12.01
